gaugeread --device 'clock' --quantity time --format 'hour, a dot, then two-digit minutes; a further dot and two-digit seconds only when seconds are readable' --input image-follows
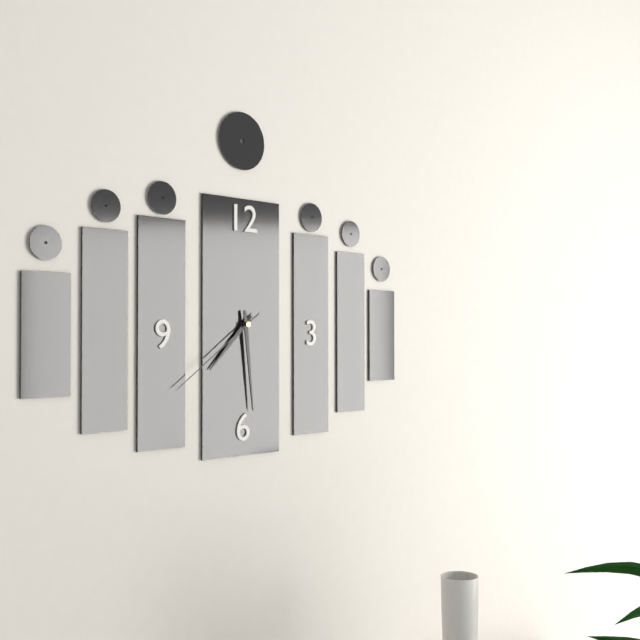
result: 7.29.39
